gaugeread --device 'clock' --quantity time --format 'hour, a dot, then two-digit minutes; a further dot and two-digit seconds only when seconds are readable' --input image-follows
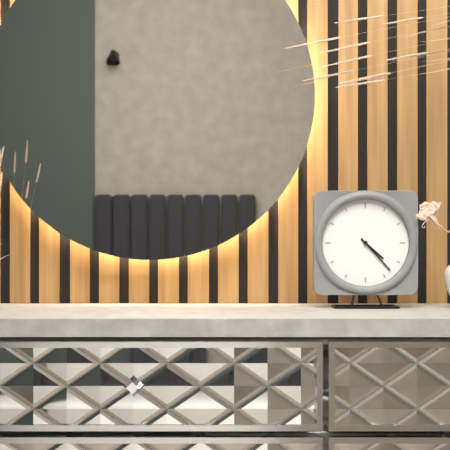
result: 4.23
